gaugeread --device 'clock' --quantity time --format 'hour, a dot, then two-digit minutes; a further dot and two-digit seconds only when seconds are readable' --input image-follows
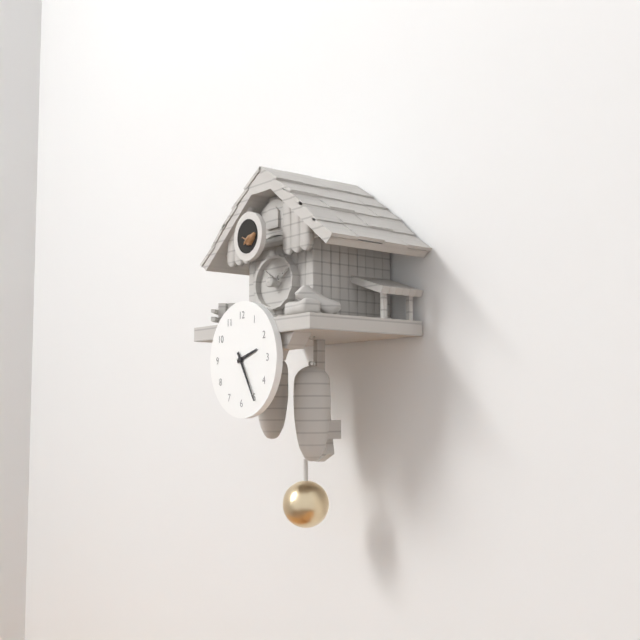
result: 2.25
